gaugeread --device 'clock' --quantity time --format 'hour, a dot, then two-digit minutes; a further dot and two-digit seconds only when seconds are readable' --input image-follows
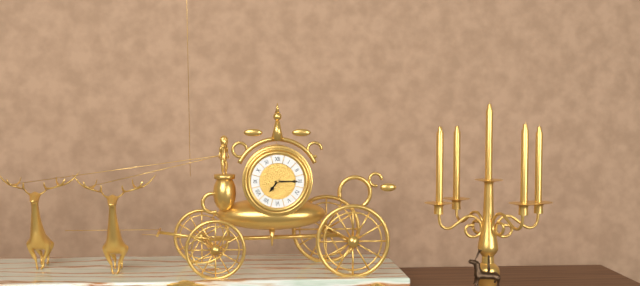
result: 7.15
